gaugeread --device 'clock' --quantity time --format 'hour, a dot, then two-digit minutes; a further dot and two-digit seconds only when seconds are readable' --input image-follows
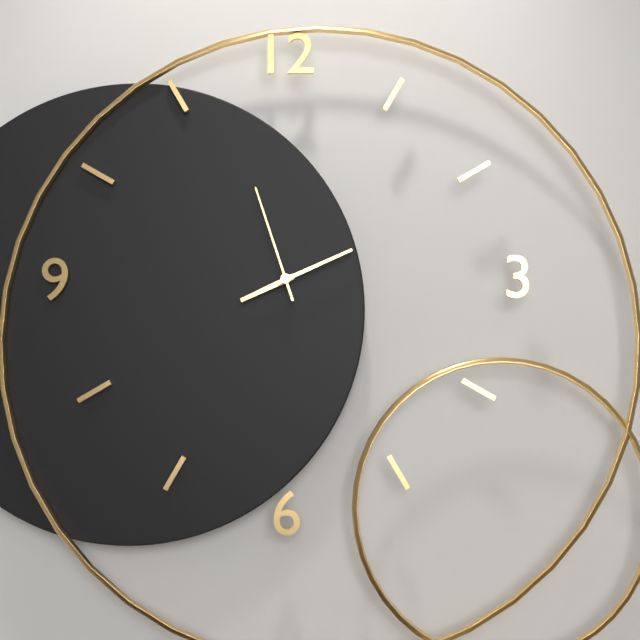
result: 8.11.57
